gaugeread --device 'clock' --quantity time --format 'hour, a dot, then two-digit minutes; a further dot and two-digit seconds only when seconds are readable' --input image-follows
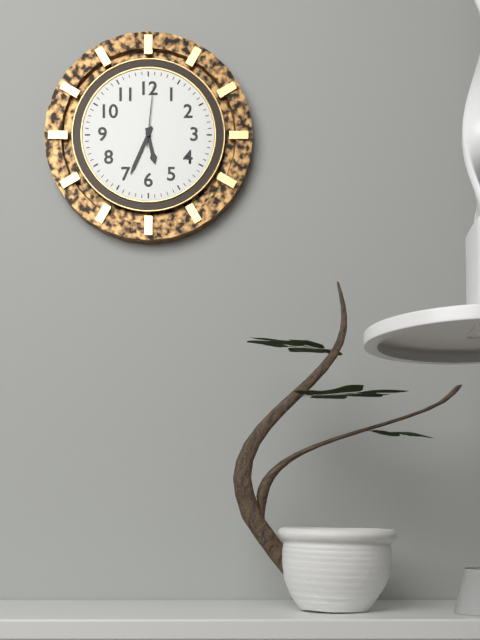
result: 5.34.01
